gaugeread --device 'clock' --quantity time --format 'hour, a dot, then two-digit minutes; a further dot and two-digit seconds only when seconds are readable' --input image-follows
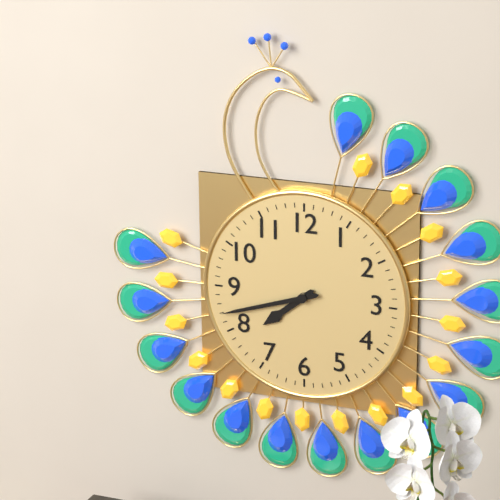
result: 7.42
